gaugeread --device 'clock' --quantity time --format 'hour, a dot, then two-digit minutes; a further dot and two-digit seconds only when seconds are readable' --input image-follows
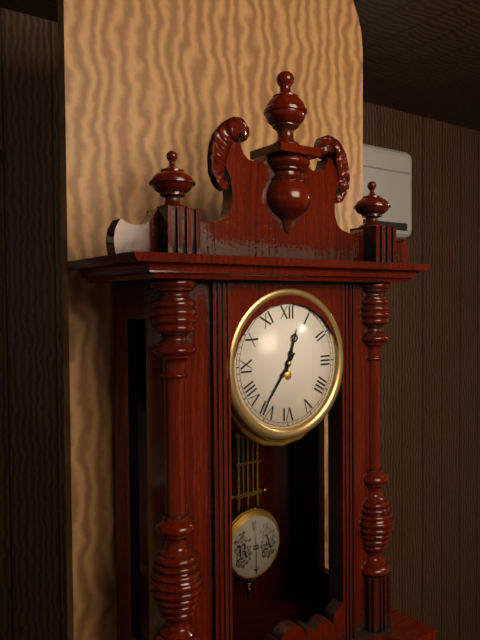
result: 12.36
